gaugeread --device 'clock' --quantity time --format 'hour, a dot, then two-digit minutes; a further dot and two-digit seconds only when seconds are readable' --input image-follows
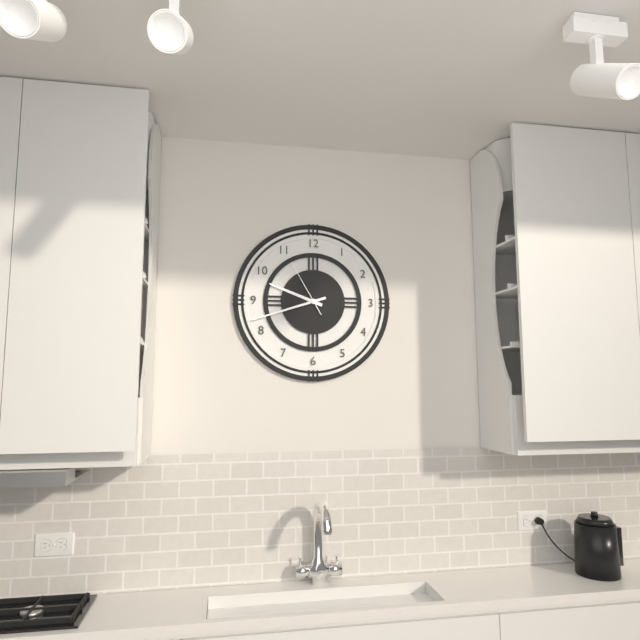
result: 9.42.55
